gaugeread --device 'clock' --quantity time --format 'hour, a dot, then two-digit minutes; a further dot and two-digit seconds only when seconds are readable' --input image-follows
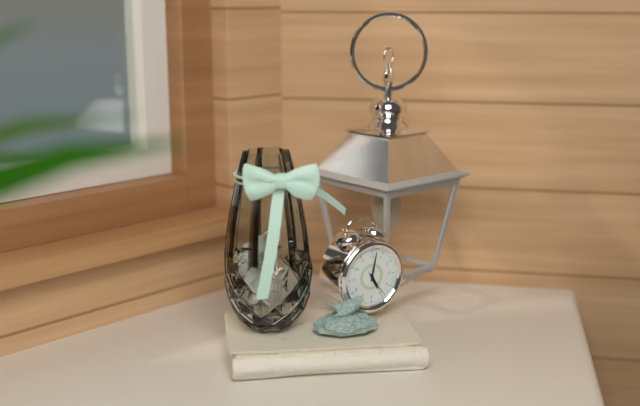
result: 5.02
